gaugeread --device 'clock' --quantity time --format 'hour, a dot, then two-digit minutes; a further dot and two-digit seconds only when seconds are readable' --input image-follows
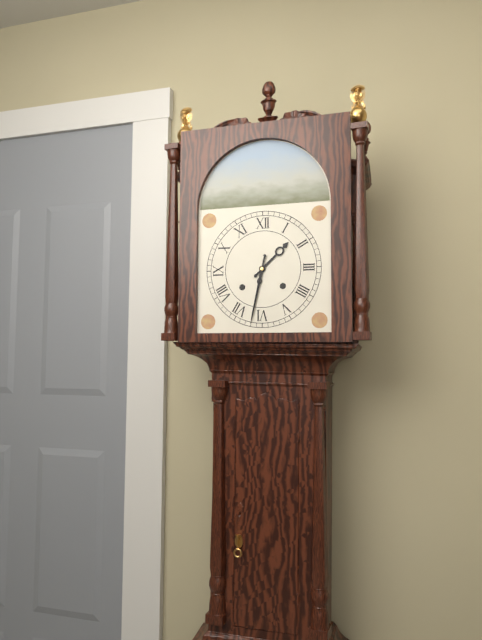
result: 1.32
